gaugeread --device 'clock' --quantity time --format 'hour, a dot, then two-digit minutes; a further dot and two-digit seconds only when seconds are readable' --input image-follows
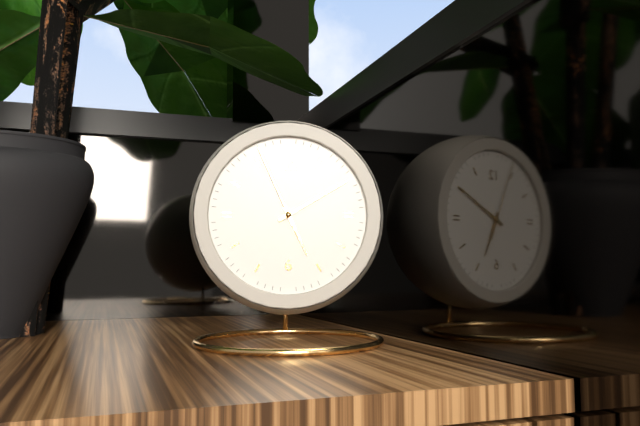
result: 5.10.56
